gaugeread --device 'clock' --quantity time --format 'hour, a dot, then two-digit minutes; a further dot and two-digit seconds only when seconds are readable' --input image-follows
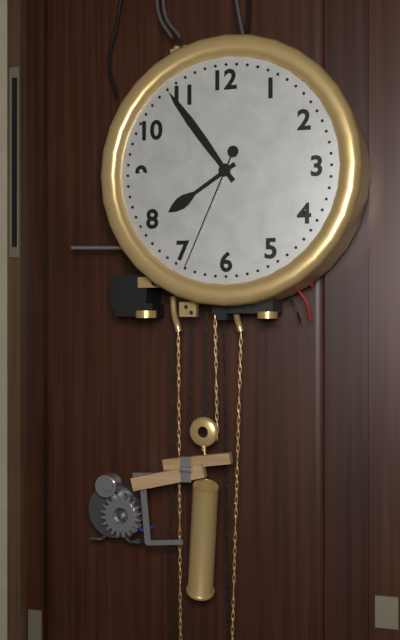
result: 7.54.34
